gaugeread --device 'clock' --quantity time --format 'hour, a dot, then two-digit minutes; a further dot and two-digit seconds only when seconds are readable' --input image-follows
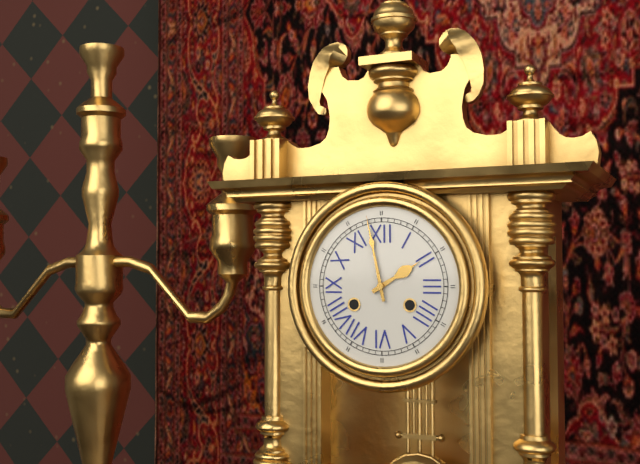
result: 1.58
